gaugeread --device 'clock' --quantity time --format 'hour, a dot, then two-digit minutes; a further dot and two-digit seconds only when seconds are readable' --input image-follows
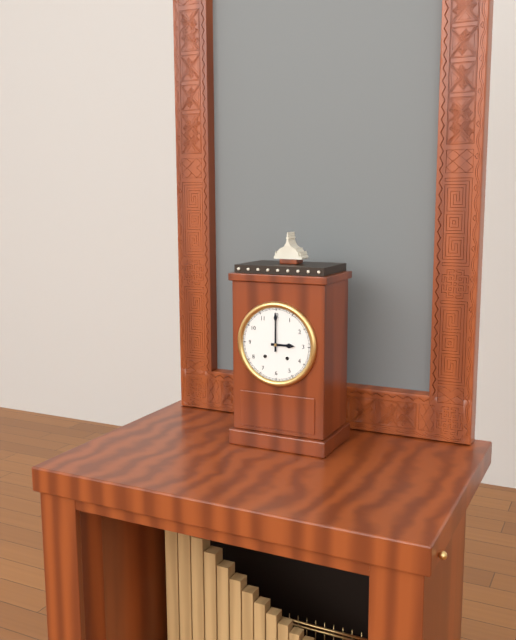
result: 3.00
